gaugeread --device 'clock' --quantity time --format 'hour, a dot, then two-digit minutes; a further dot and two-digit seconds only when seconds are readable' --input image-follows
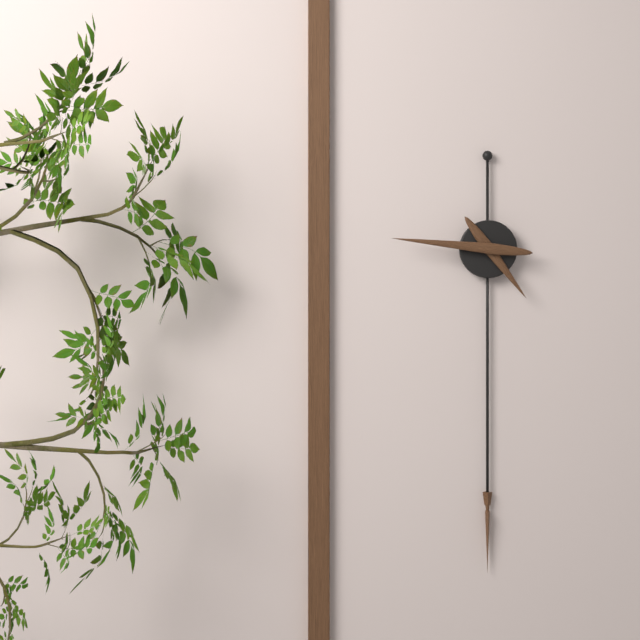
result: 4.46
